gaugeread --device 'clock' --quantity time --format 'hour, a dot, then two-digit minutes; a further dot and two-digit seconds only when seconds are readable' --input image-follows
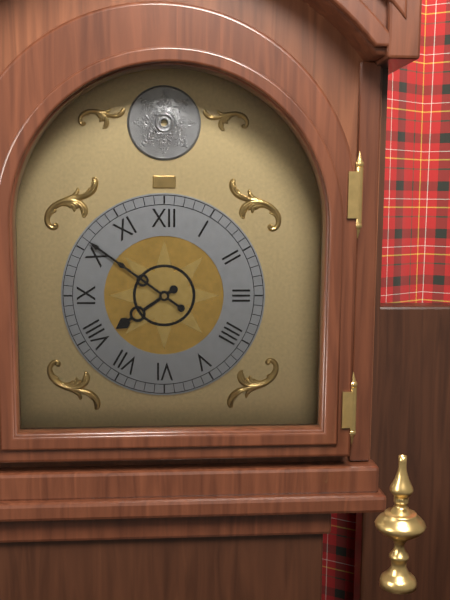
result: 7.51
